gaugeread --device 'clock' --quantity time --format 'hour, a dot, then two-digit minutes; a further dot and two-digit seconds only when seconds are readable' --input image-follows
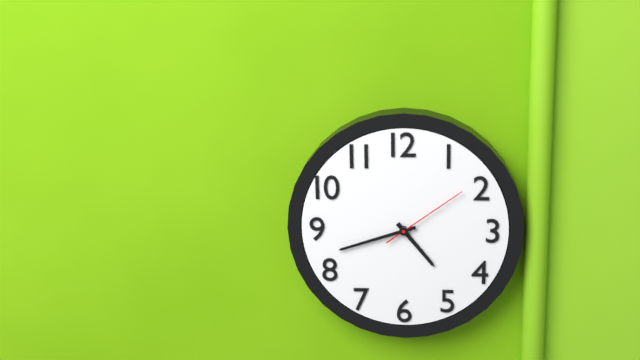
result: 4.42.09
